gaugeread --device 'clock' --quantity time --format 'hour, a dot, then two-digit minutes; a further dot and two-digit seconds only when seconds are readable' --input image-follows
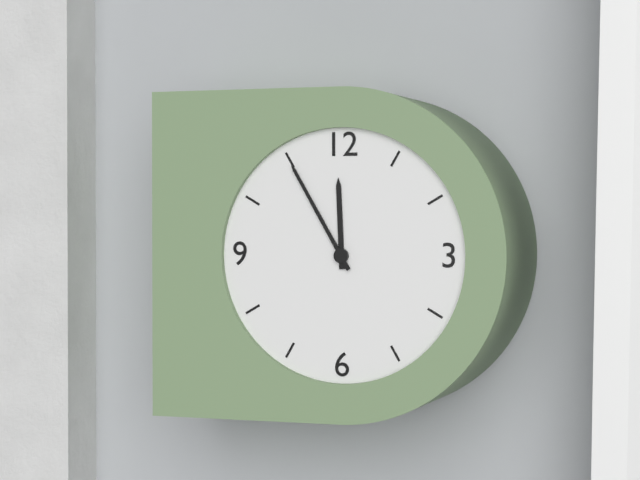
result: 11.55
